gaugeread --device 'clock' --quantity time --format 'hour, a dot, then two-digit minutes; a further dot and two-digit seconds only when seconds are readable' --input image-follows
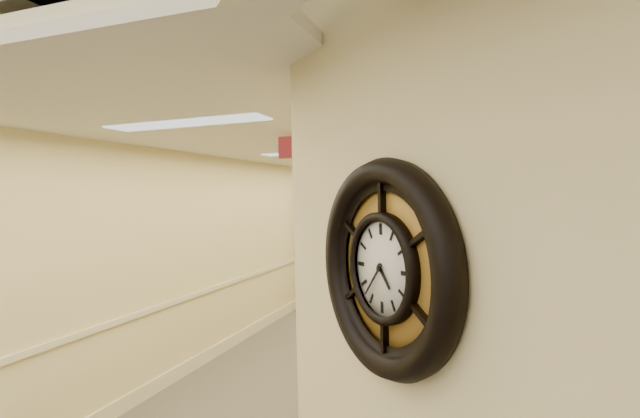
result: 4.37
